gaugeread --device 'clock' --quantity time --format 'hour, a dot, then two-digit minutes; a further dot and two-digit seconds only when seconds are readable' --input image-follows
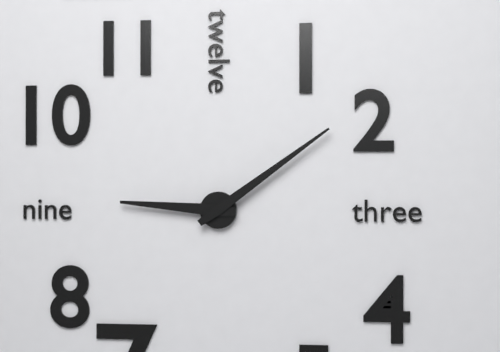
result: 9.09
